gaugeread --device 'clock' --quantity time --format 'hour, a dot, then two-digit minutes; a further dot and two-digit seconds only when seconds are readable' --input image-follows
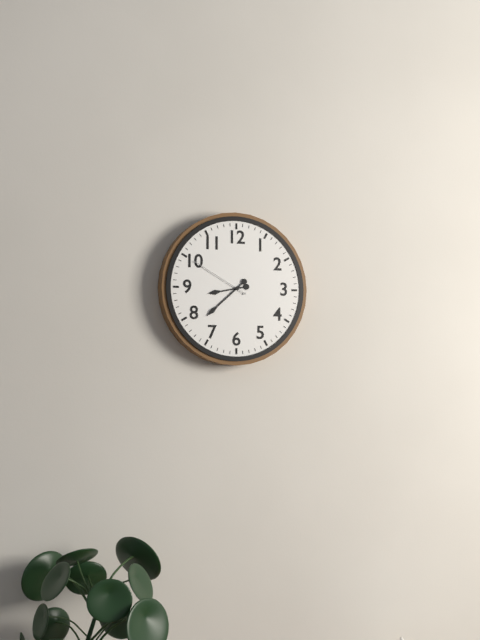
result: 8.38.50
